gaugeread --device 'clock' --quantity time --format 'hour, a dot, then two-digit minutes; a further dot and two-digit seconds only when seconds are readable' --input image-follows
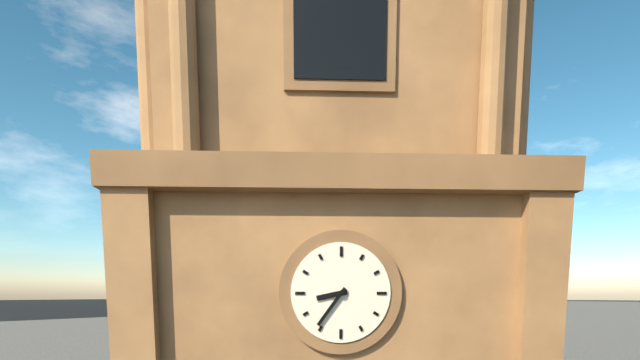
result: 8.36
